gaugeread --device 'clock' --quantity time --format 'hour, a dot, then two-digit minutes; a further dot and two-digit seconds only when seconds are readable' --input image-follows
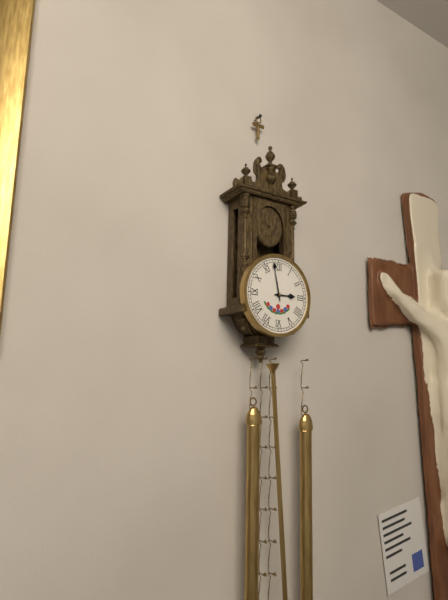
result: 2.58
